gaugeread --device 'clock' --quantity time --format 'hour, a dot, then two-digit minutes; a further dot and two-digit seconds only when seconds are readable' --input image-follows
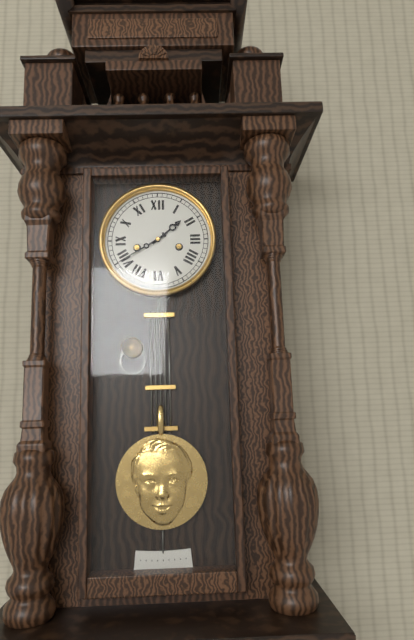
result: 1.40
